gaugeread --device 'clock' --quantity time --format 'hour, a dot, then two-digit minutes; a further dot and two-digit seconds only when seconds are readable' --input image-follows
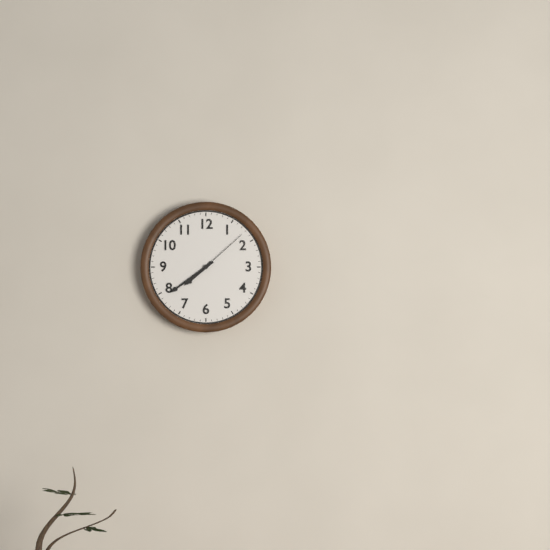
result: 7.39.08
